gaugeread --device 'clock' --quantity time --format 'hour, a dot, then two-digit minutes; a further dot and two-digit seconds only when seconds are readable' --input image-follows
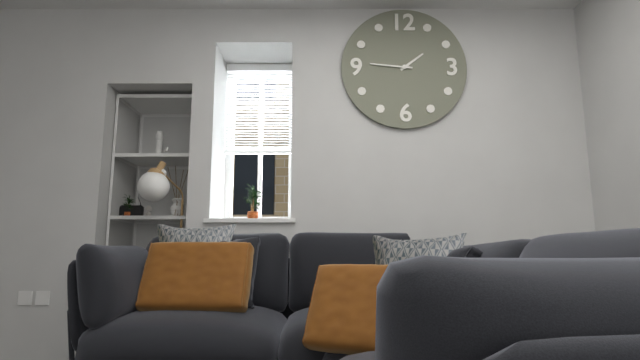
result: 1.46
